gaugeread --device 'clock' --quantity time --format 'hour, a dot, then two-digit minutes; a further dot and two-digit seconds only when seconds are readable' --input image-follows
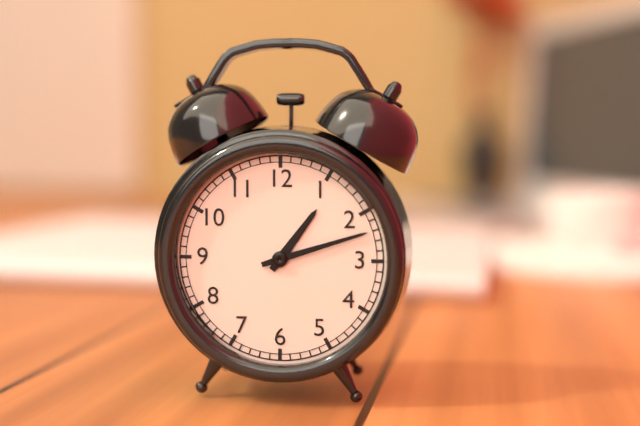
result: 1.12
